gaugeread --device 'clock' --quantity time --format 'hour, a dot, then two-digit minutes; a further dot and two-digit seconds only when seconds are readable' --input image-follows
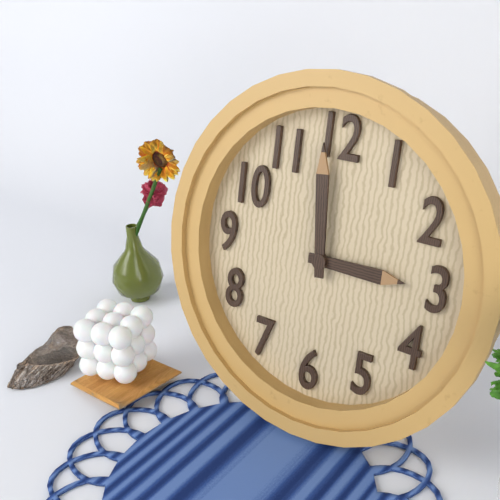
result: 2.59
